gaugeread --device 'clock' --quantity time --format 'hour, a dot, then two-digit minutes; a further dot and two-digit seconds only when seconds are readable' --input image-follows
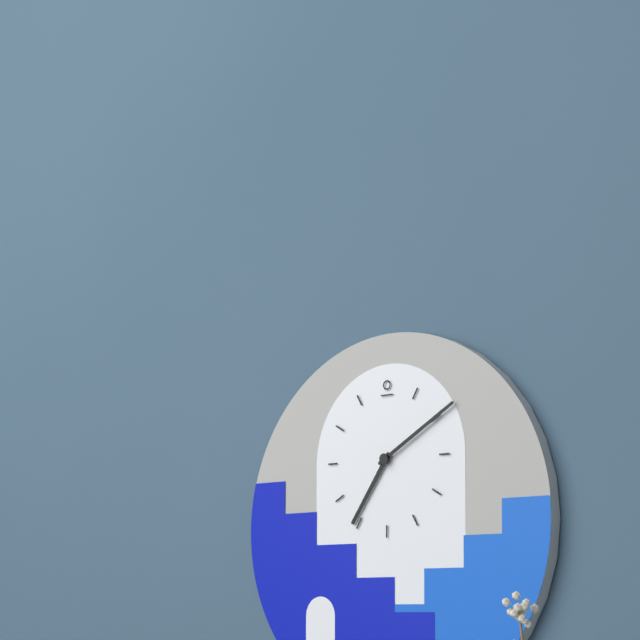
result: 7.10
